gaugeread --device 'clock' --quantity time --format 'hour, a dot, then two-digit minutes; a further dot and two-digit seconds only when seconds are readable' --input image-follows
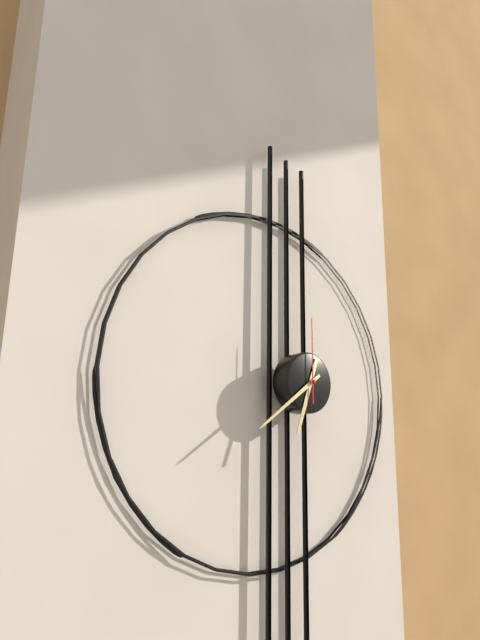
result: 6.39.00
